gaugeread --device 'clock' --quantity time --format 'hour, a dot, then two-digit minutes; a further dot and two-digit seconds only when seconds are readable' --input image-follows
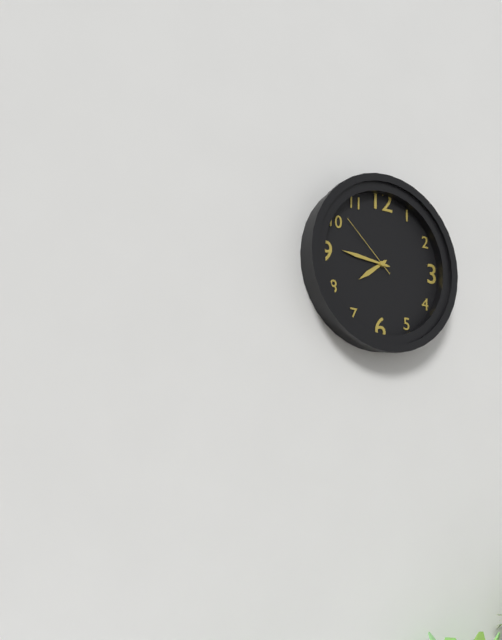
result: 7.46.52
